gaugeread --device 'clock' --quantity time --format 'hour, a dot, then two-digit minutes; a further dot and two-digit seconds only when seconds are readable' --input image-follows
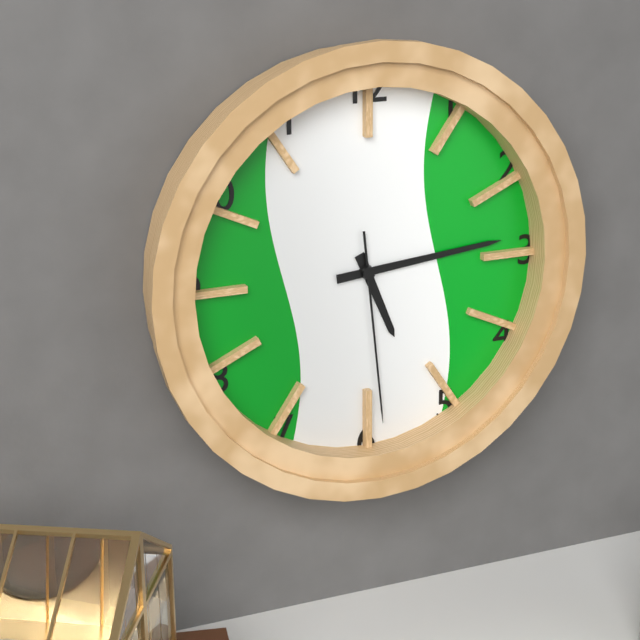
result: 5.14.29
